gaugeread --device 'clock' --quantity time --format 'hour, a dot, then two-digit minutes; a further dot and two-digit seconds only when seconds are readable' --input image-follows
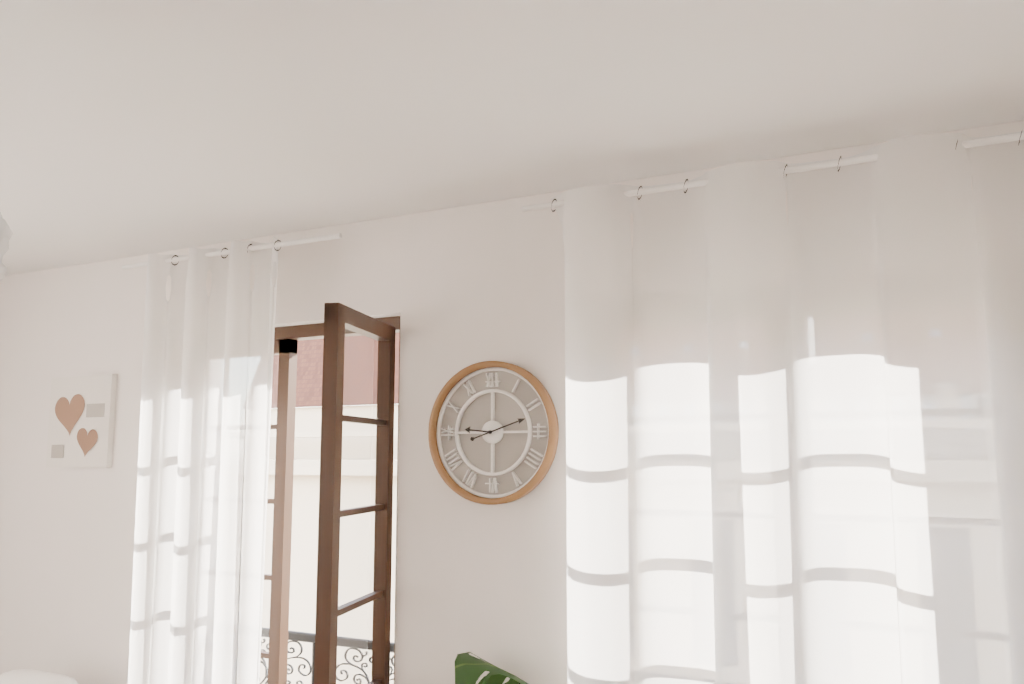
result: 9.12
